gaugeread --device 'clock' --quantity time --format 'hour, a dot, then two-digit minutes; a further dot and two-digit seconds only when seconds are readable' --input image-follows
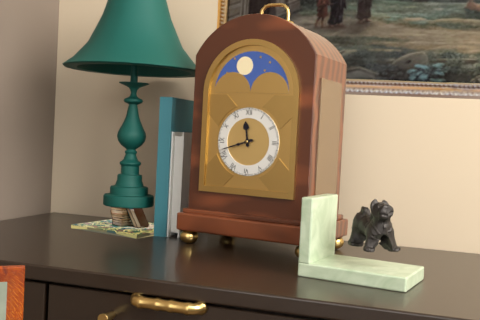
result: 11.42
